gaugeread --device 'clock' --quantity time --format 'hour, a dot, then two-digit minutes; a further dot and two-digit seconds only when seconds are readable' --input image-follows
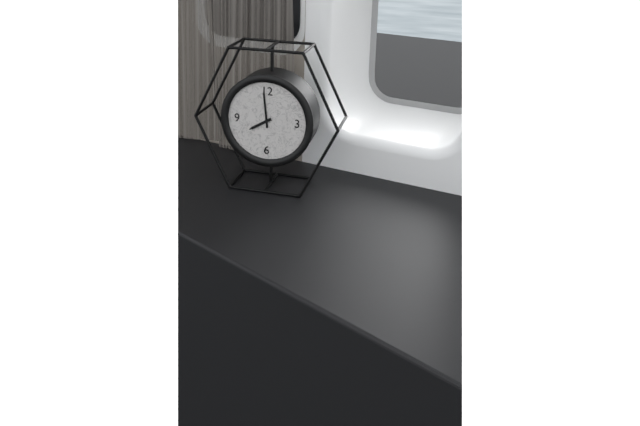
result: 7.59
